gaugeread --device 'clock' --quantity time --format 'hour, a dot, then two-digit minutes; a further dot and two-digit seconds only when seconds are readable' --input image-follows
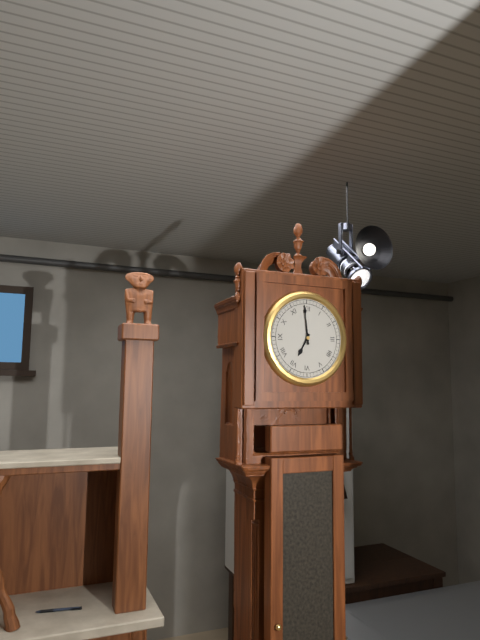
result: 6.59
